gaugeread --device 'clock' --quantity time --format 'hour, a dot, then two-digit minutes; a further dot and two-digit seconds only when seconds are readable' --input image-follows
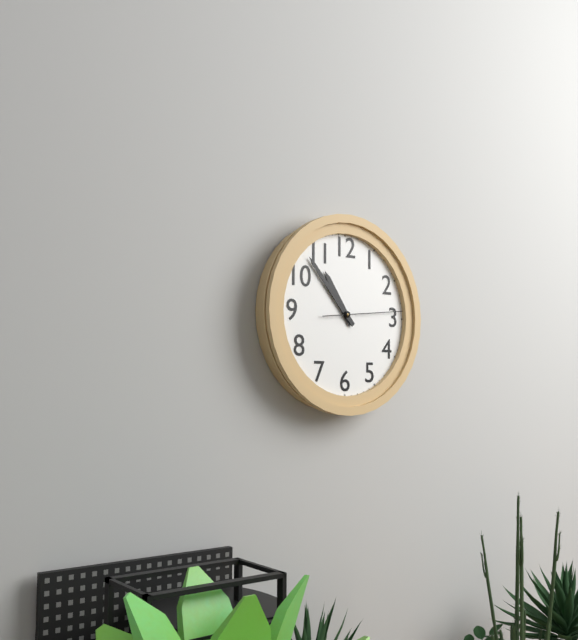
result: 10.53.14
